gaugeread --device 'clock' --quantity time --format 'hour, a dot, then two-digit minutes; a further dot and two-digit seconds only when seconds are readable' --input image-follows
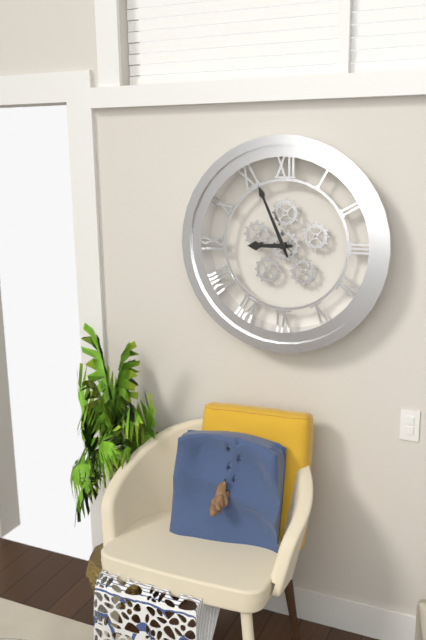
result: 8.56
